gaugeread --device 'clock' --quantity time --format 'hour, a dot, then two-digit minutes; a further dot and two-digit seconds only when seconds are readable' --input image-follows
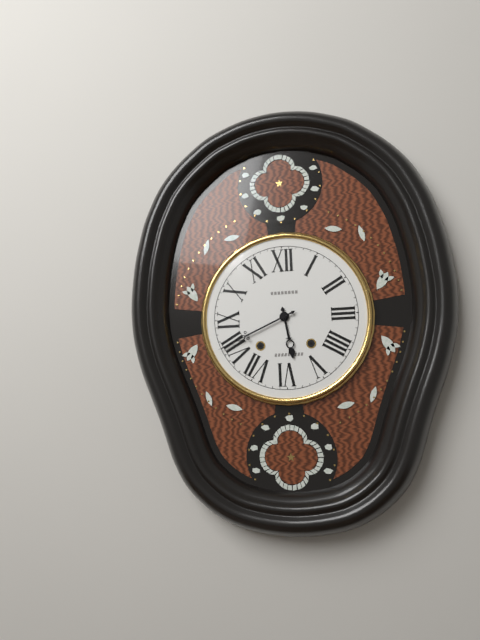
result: 5.41
